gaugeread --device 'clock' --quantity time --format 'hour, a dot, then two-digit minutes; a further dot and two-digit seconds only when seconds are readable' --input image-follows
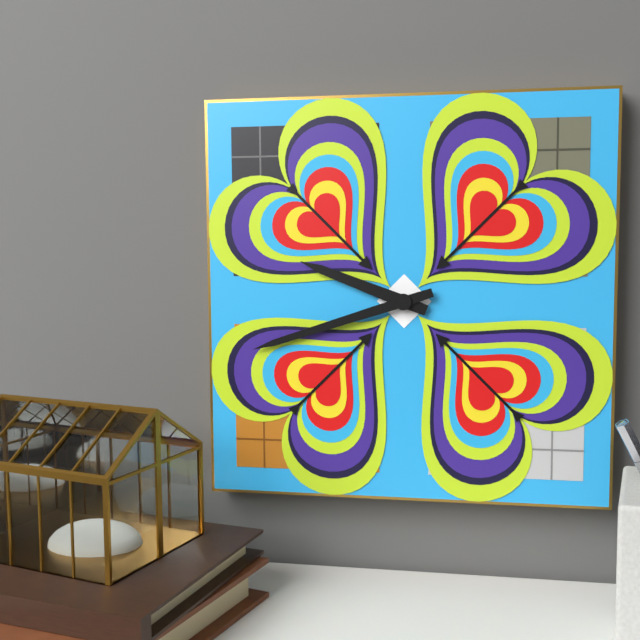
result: 9.42
